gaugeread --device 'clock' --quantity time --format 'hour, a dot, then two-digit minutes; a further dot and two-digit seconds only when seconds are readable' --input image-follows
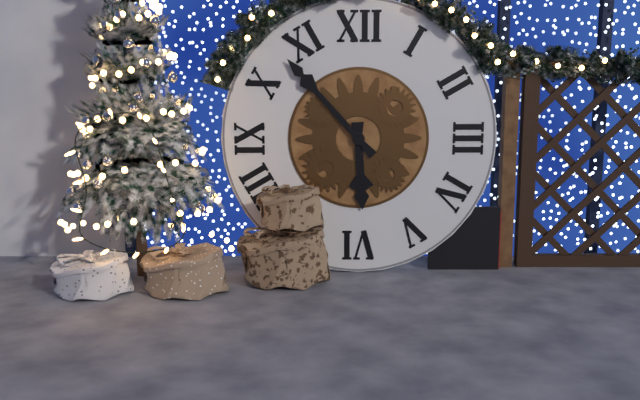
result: 5.53
